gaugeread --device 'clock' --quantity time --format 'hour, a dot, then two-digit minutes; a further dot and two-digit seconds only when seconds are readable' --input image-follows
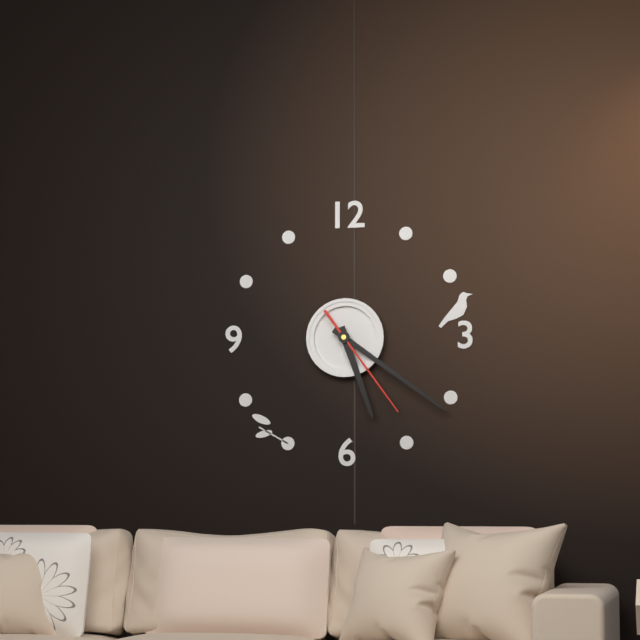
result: 5.21.24
